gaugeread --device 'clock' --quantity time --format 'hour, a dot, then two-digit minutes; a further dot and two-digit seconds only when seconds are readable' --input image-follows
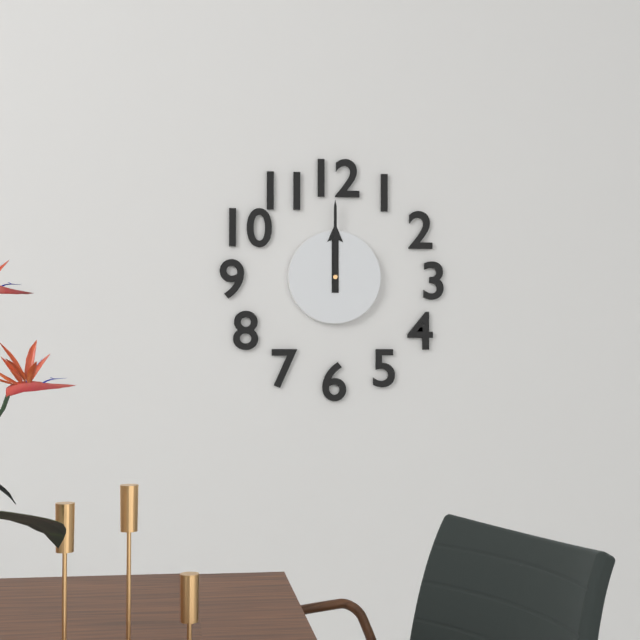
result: 12.00
